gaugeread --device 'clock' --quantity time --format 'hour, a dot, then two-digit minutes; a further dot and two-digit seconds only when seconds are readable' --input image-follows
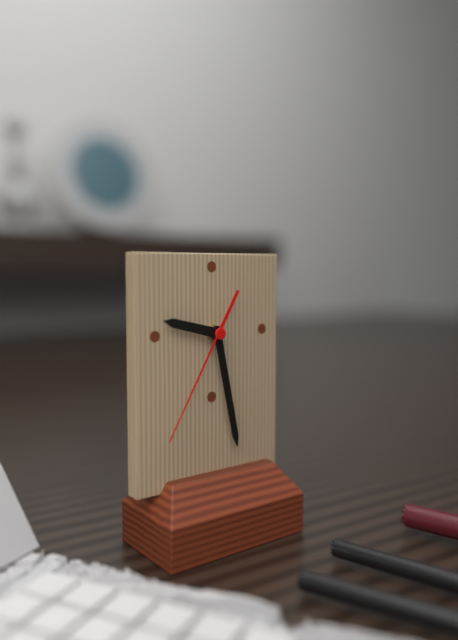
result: 9.28.35
